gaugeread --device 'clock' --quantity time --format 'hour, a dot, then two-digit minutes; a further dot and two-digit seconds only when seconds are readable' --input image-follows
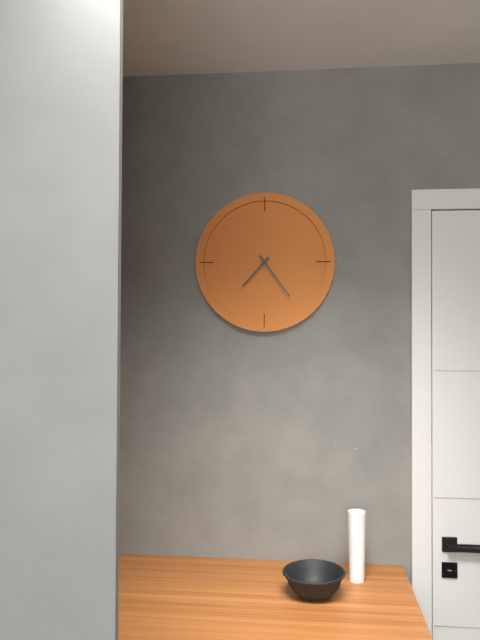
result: 7.24
